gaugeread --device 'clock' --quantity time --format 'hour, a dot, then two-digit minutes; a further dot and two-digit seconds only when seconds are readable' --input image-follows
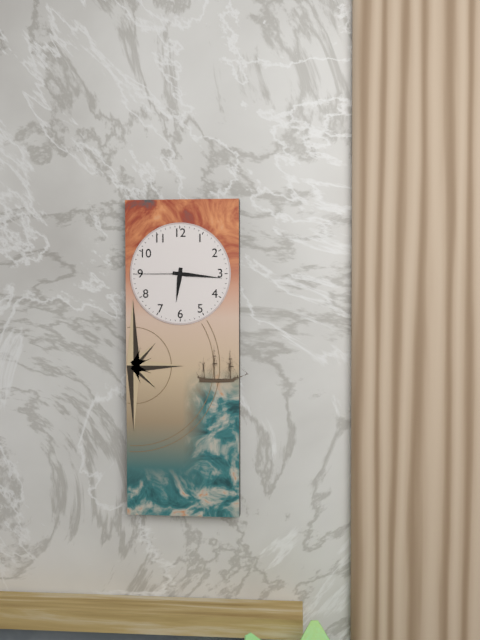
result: 6.16.45
